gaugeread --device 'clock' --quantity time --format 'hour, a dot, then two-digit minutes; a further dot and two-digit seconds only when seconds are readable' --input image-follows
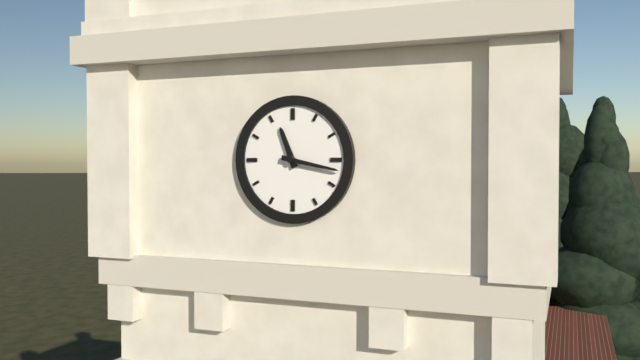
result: 11.17
